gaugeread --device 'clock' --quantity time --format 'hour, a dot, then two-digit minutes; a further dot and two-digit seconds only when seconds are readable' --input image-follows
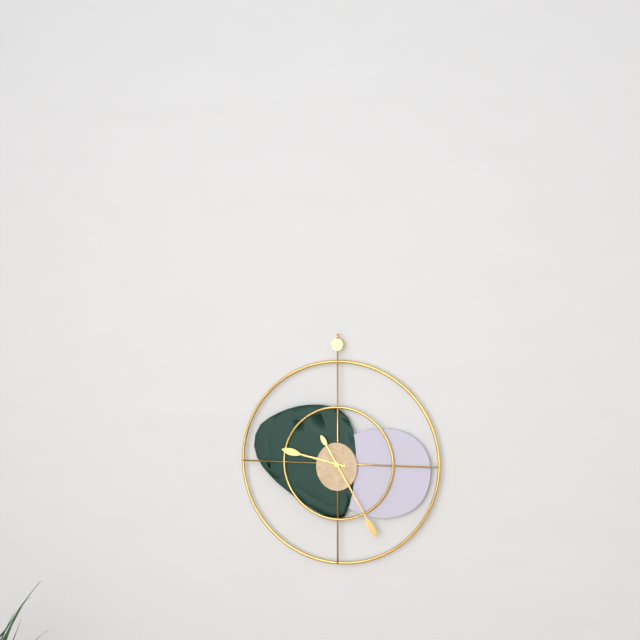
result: 9.25
